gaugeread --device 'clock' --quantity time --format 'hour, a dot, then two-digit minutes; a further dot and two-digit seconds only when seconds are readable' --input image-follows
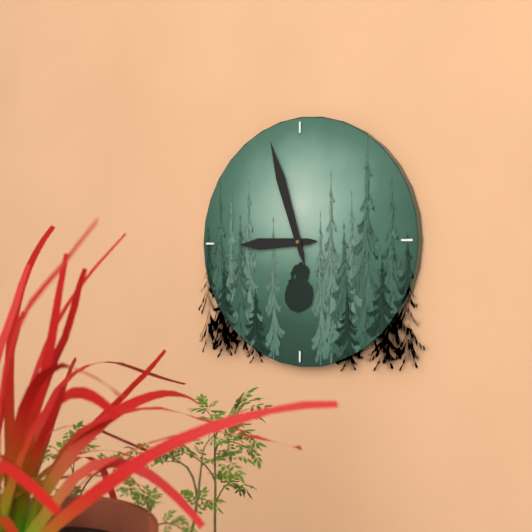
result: 8.57
